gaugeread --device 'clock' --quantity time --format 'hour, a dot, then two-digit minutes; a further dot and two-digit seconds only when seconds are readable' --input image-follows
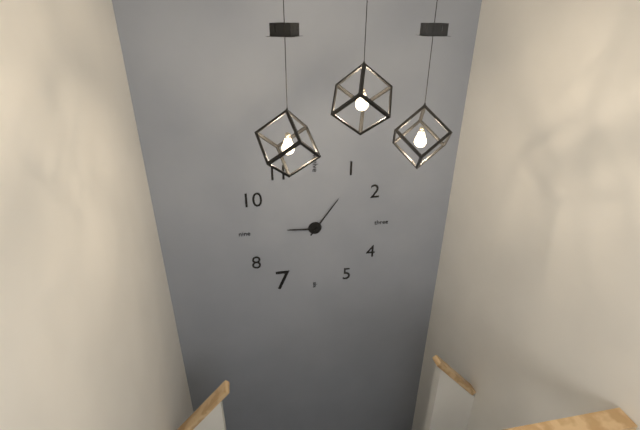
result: 9.06
